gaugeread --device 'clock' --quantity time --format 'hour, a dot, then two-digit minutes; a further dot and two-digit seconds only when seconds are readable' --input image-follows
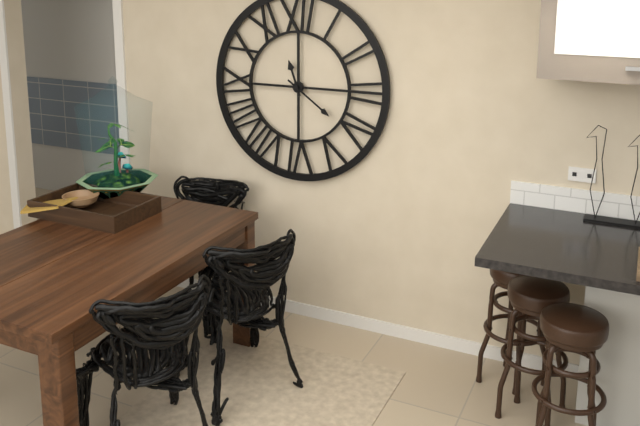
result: 11.21
